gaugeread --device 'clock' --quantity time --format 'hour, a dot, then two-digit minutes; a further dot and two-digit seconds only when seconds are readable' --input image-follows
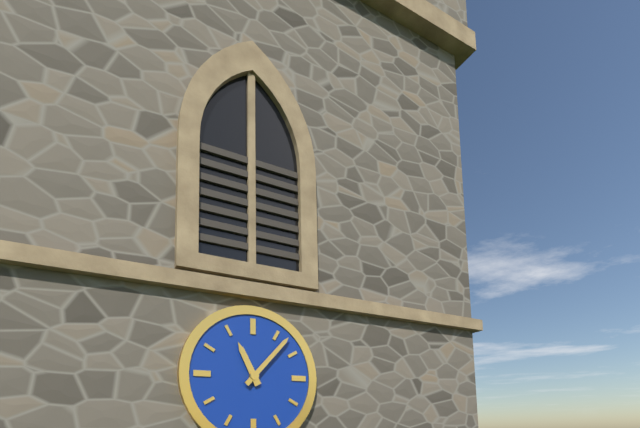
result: 11.07
